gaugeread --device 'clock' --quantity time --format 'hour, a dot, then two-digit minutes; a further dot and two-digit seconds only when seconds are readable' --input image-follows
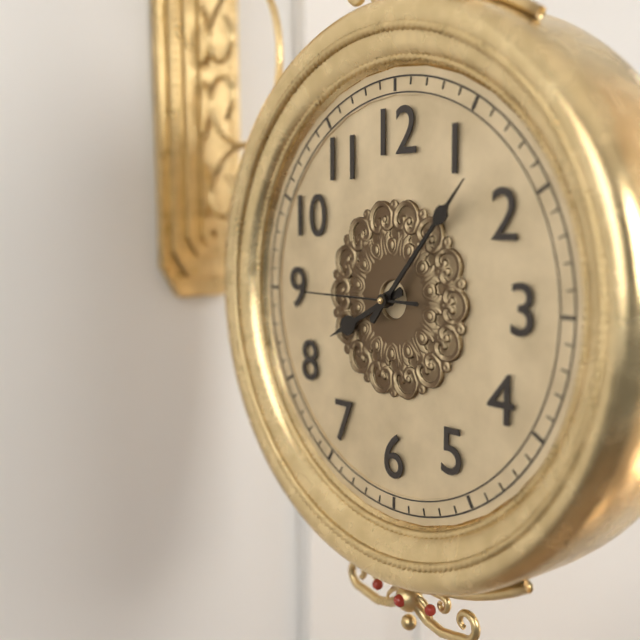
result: 8.07.45
